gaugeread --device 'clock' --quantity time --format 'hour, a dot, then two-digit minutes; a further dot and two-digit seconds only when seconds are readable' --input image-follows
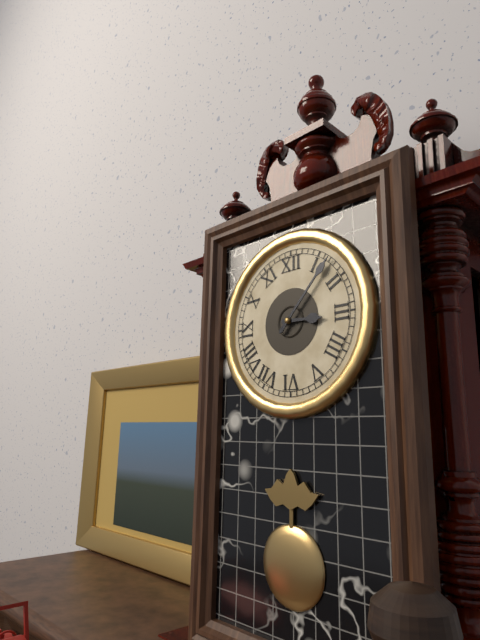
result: 3.07
